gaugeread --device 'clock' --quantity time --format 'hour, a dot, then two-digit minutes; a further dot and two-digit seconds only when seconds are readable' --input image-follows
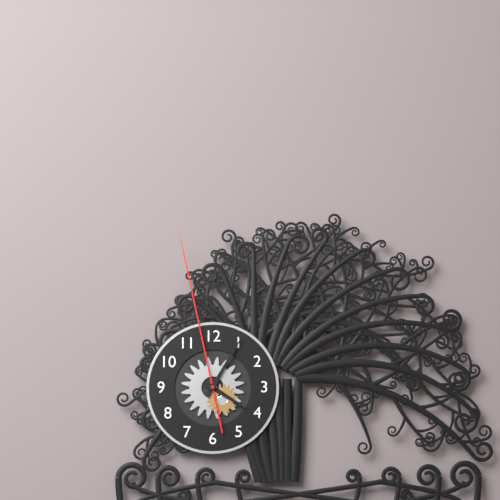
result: 4.05.58
